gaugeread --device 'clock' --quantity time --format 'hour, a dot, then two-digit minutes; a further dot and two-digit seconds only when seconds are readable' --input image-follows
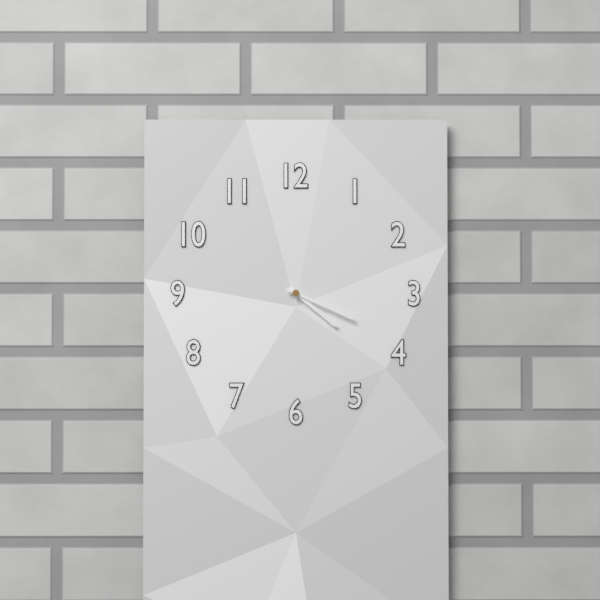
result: 4.19
